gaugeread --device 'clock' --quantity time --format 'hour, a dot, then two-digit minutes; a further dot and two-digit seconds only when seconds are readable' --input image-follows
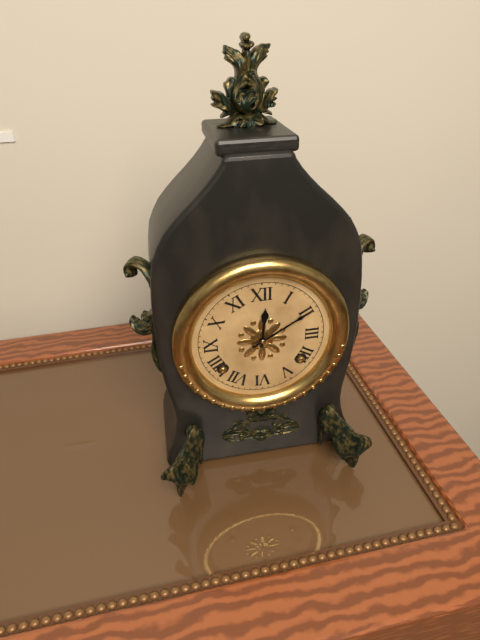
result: 12.10
